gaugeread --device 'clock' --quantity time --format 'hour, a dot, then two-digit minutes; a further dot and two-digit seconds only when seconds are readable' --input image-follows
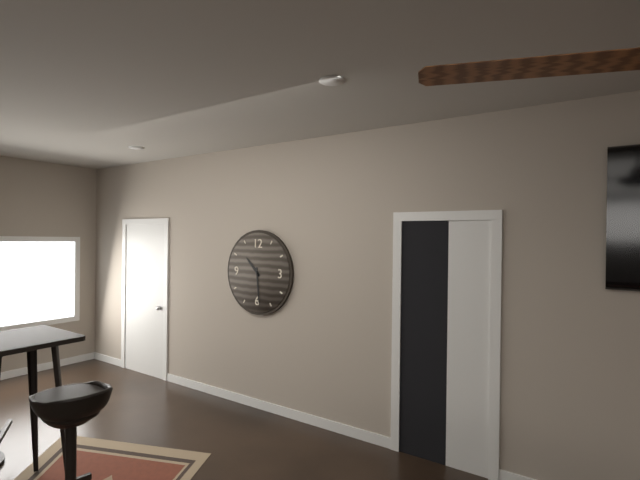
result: 10.29
